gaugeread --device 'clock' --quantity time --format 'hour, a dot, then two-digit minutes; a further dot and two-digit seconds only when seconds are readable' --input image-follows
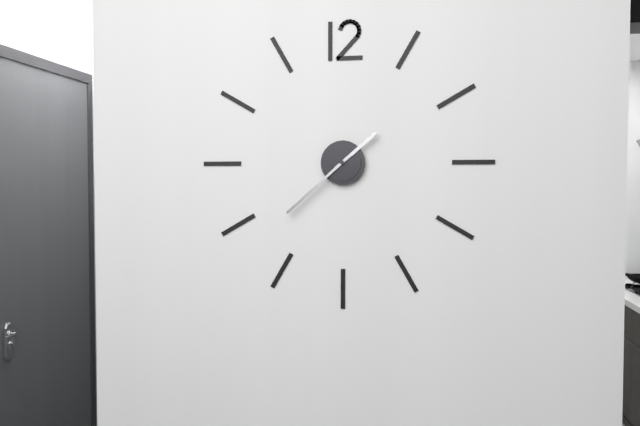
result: 1.38
